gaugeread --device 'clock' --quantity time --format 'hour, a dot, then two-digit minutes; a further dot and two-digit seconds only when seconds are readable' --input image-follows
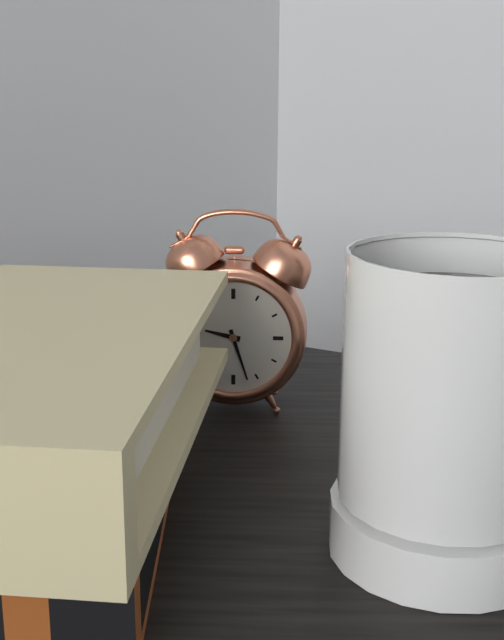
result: 9.27
